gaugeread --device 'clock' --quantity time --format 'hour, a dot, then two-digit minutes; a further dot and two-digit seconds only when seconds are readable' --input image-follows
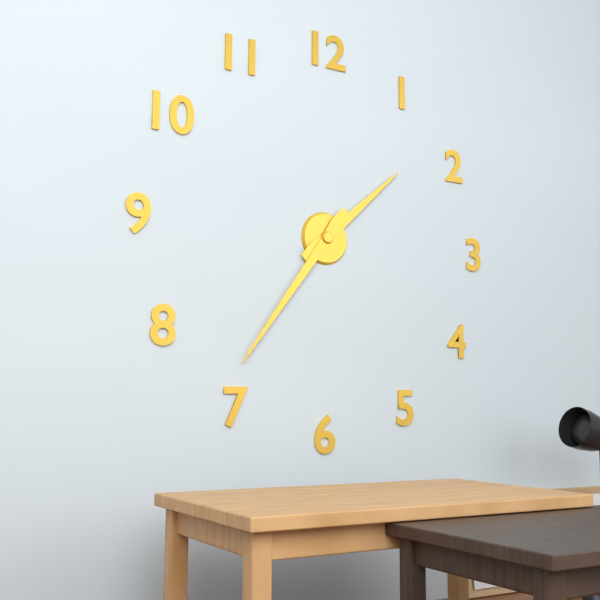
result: 1.36
